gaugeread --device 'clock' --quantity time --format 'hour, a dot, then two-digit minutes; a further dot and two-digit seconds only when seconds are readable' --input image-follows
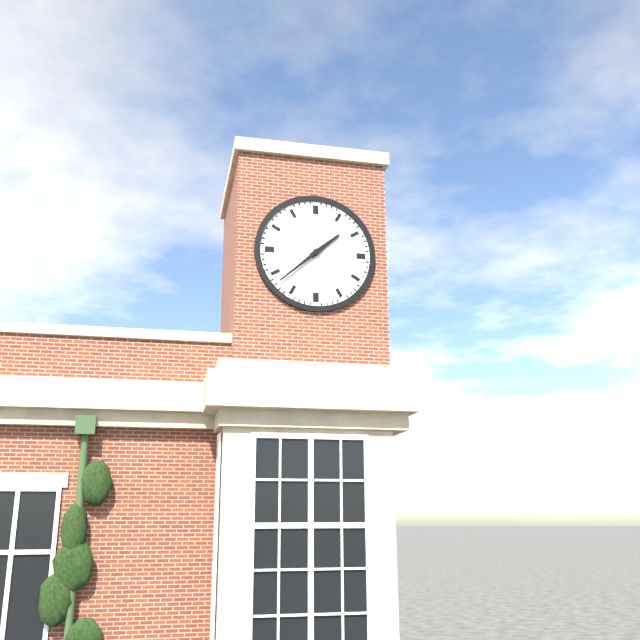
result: 1.38
